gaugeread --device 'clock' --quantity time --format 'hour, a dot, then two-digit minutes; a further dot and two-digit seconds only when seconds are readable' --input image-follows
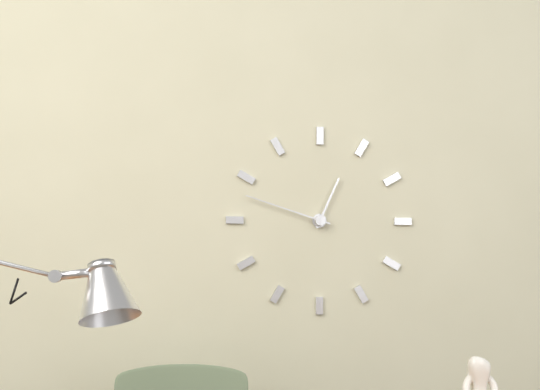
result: 12.48
